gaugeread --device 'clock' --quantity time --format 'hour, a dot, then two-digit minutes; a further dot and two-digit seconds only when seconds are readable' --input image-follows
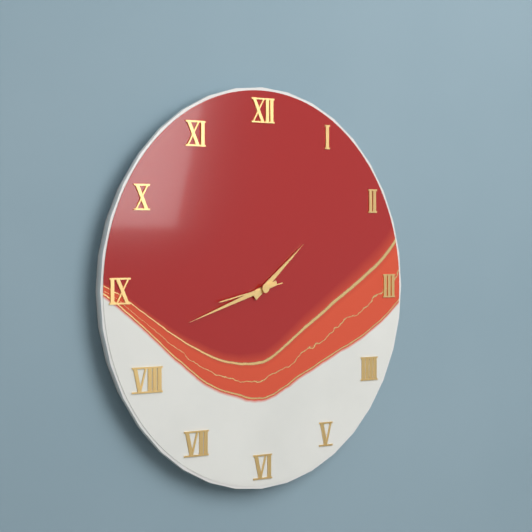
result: 1.42
